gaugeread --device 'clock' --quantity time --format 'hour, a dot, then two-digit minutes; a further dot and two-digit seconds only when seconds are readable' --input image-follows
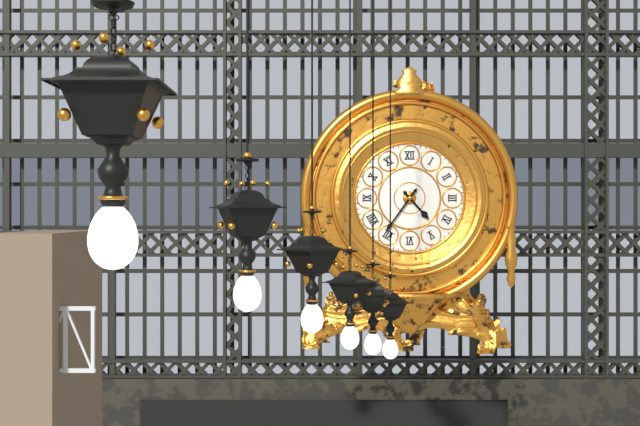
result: 4.36
